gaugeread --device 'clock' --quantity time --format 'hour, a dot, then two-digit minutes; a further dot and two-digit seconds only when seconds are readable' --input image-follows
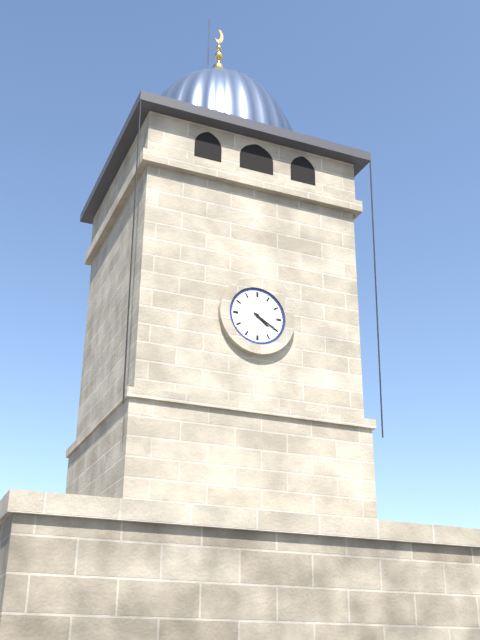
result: 4.20
